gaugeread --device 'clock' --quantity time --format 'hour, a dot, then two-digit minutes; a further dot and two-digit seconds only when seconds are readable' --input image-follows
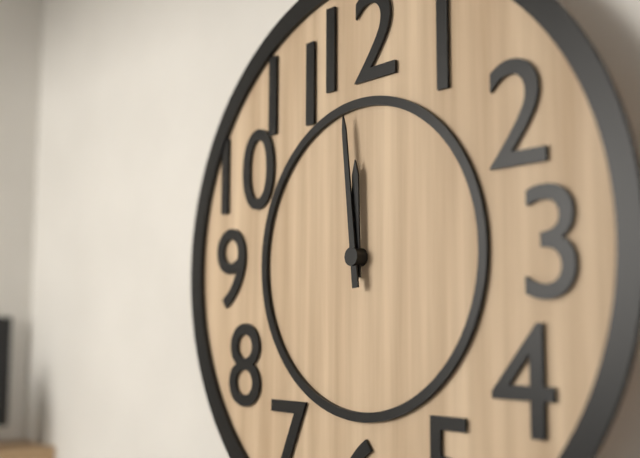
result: 11.59
